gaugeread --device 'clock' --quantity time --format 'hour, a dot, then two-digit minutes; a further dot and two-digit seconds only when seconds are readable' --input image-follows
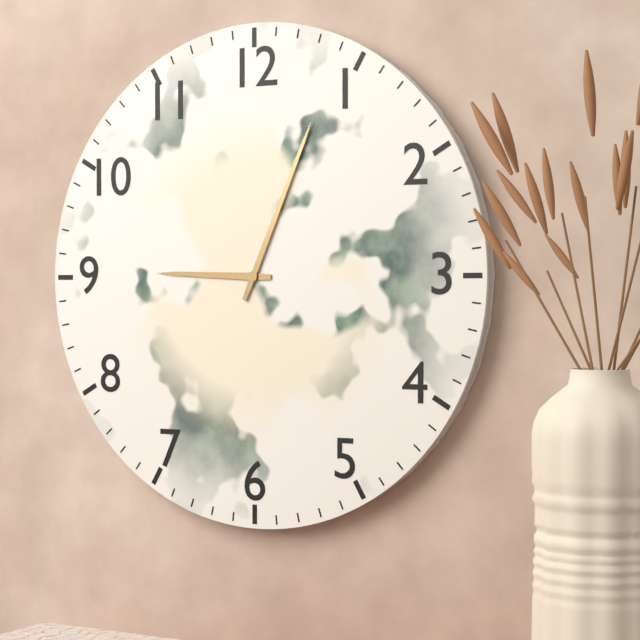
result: 9.04
